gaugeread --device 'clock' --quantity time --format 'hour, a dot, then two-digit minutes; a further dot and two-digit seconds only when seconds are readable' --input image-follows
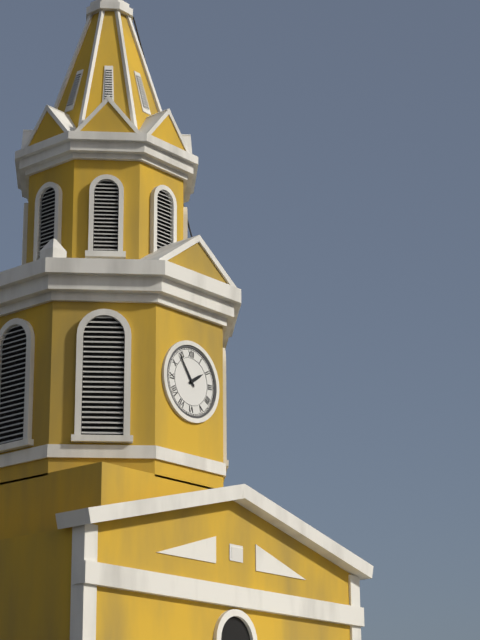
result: 1.54
